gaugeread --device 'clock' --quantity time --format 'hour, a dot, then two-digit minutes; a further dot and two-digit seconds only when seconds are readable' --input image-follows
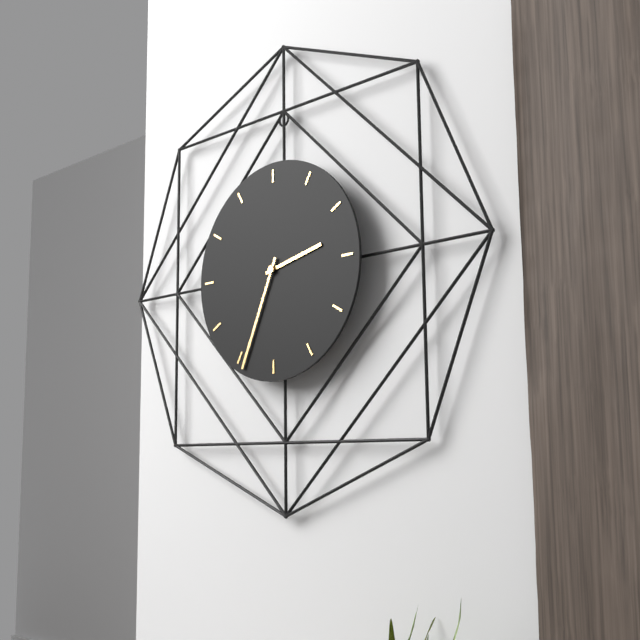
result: 2.34
